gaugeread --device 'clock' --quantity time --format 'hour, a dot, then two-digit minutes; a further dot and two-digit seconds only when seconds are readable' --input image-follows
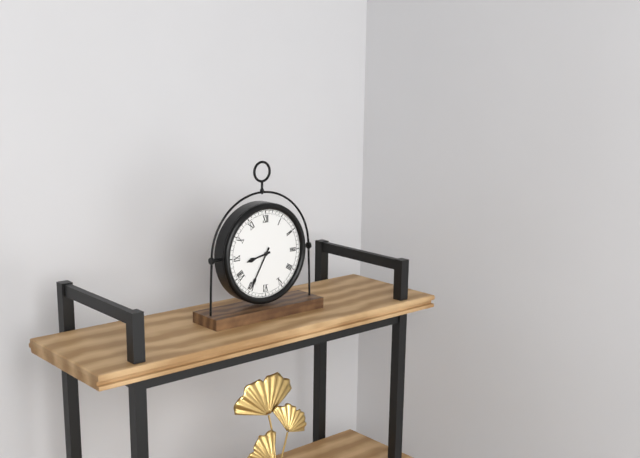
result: 8.35
